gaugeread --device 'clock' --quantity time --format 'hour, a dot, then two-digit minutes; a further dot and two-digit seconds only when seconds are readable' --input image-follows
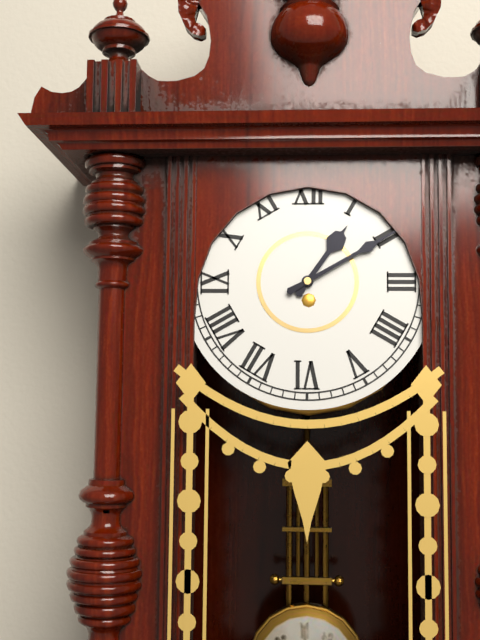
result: 1.10
